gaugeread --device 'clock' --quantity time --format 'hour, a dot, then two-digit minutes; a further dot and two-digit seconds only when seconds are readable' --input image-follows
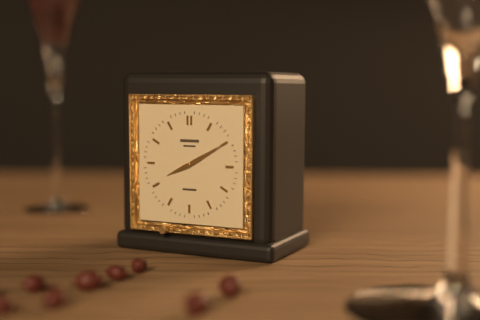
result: 8.10
